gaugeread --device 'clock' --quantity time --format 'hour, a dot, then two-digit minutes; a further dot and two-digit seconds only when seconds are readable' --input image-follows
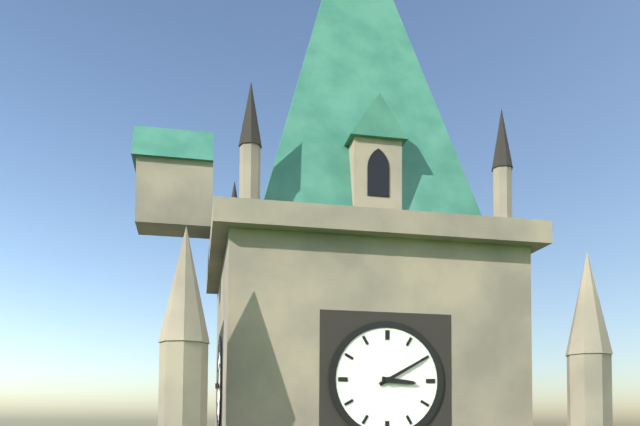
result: 3.10
